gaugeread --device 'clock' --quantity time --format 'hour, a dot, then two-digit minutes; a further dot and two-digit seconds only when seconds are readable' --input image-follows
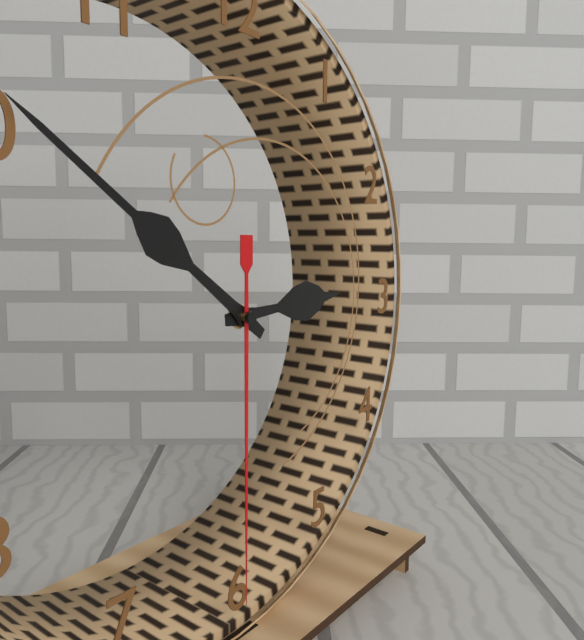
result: 2.51.30
